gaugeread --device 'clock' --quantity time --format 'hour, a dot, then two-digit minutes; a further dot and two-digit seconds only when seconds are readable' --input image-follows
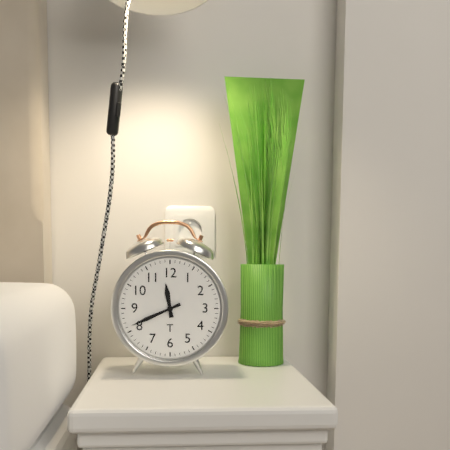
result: 11.41
